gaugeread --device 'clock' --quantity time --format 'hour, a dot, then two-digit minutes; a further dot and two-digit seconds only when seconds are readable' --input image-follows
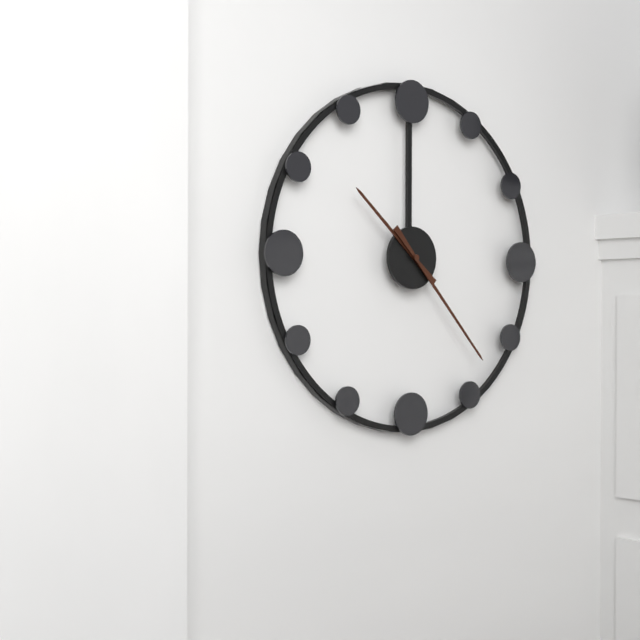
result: 10.23
